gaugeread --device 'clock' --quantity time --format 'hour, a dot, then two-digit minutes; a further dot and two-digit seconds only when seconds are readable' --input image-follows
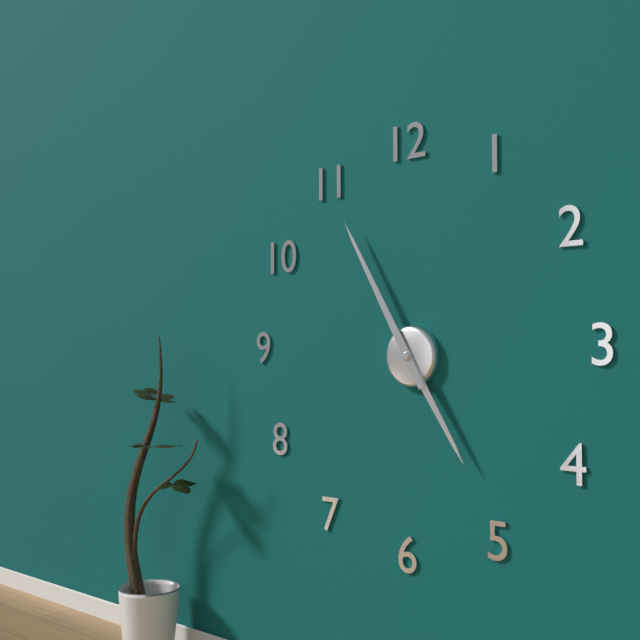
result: 4.55
